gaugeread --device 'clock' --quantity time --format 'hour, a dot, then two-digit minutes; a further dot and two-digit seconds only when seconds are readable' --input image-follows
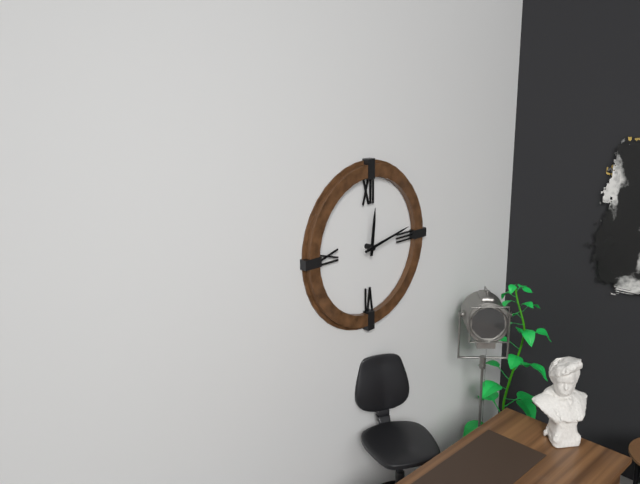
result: 12.13
